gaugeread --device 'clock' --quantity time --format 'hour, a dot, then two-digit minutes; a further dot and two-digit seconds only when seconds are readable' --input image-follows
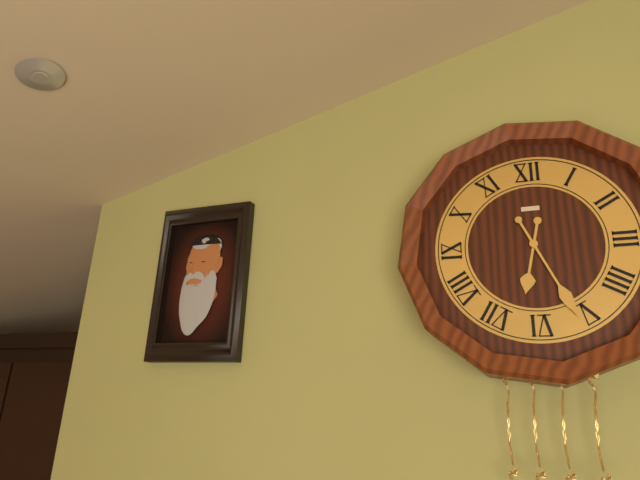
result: 6.26
